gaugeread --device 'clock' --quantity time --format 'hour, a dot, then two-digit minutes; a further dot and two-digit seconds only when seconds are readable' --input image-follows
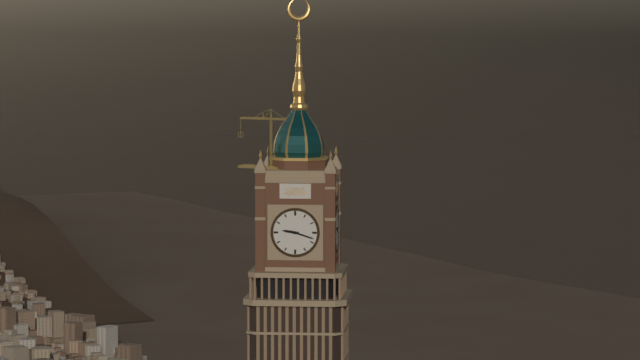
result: 9.18
